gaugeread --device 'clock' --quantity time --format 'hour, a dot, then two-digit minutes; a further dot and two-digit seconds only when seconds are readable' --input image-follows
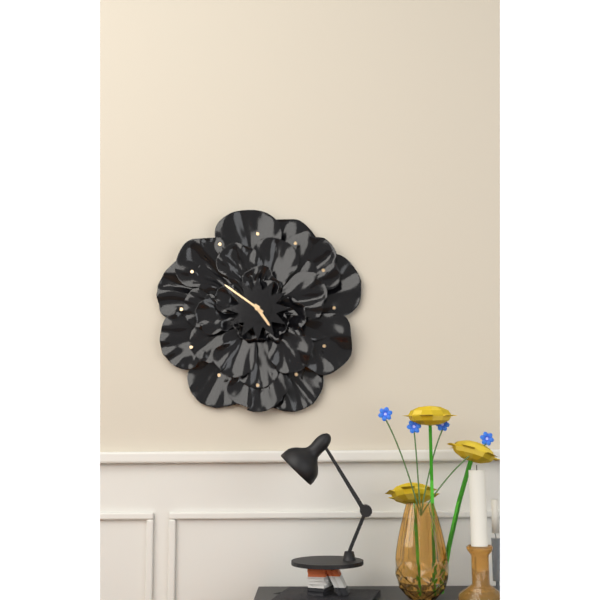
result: 4.51
